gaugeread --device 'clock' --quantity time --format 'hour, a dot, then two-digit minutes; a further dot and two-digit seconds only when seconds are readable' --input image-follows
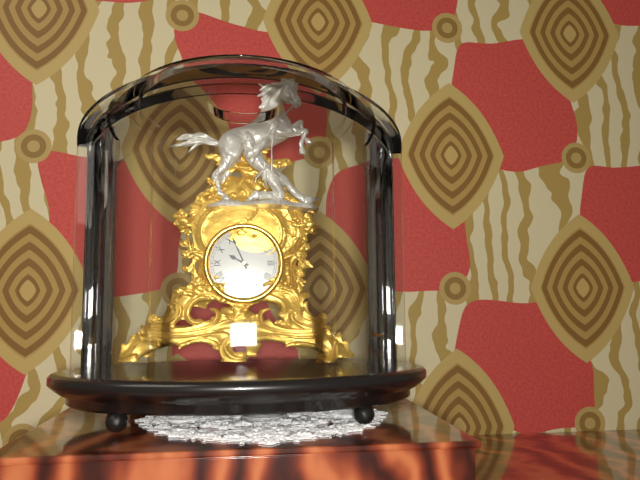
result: 9.56
